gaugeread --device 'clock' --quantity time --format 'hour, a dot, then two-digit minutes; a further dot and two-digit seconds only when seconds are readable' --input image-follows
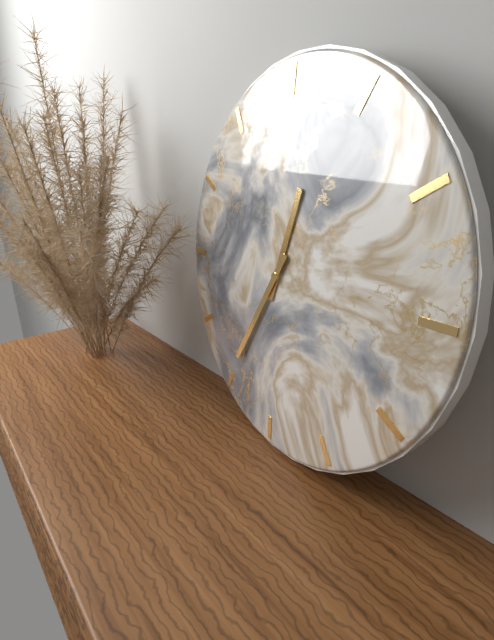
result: 12.35
